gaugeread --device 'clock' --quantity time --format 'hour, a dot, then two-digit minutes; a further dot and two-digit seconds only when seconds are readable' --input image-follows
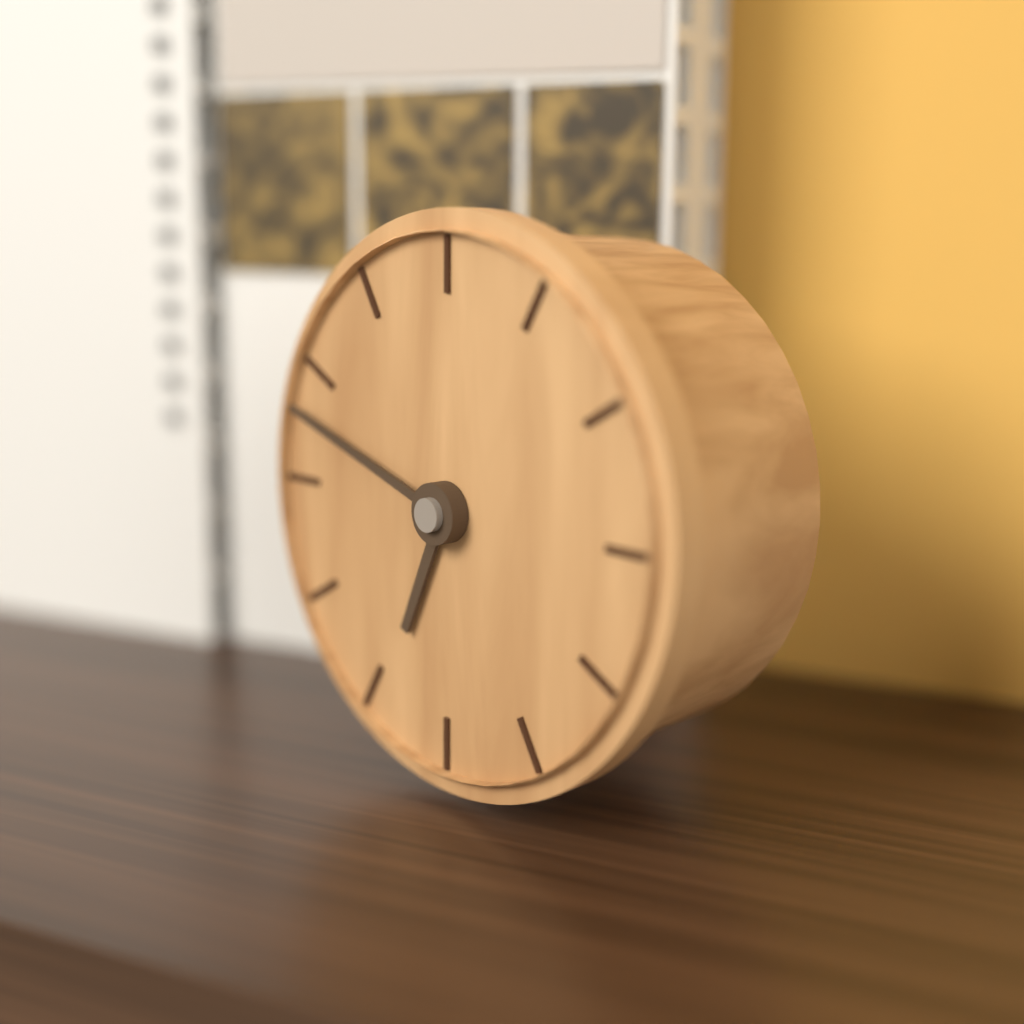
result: 6.48
